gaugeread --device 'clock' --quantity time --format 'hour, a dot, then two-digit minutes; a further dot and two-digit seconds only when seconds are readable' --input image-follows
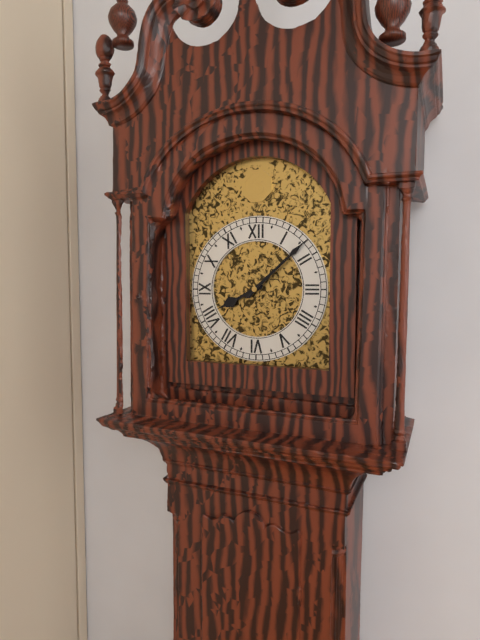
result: 8.08
